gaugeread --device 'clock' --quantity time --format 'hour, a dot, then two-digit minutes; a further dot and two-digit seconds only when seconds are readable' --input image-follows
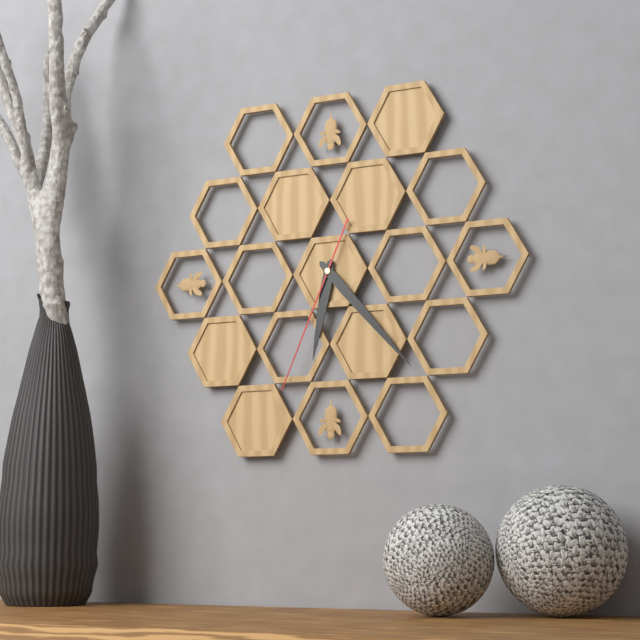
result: 6.23.34
